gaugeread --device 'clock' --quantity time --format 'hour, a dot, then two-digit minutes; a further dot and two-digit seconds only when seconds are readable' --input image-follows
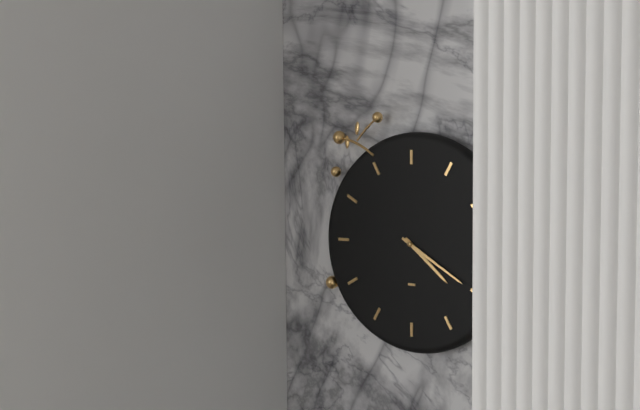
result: 4.20
